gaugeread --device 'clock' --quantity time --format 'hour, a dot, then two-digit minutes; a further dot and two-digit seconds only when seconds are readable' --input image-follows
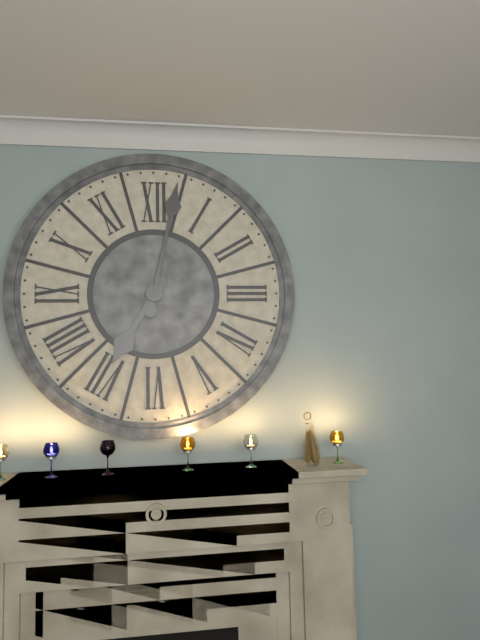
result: 7.02
